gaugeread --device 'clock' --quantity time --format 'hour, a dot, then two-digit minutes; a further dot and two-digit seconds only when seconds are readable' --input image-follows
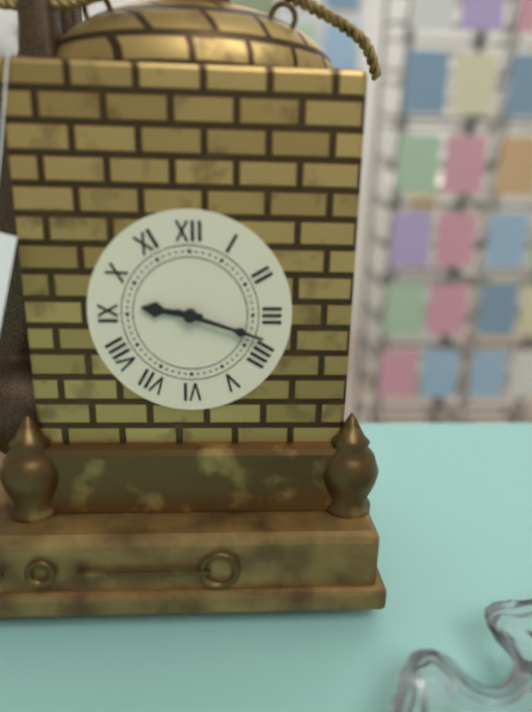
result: 9.18
